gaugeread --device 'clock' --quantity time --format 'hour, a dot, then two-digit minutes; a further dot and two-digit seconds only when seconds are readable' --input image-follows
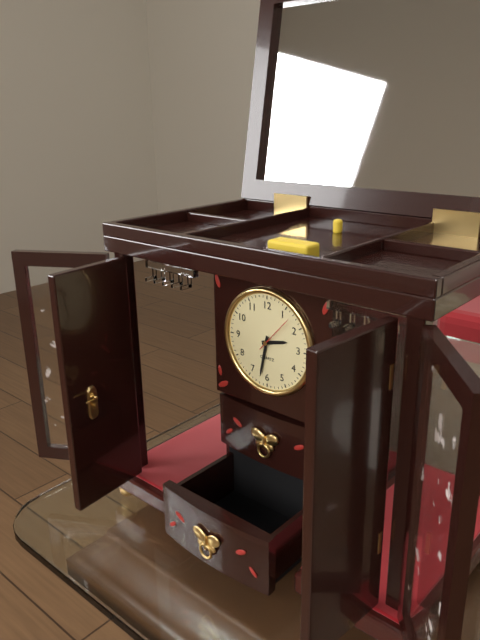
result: 2.32
